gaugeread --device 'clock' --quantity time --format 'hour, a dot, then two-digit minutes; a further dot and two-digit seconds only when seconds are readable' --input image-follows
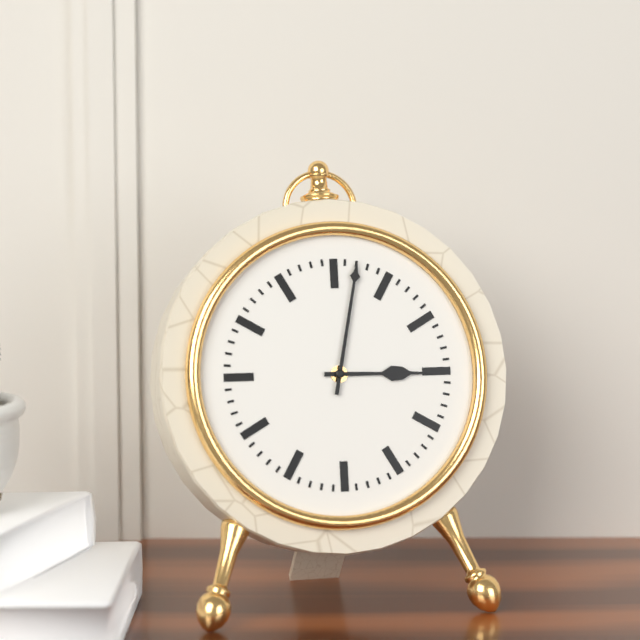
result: 3.02
